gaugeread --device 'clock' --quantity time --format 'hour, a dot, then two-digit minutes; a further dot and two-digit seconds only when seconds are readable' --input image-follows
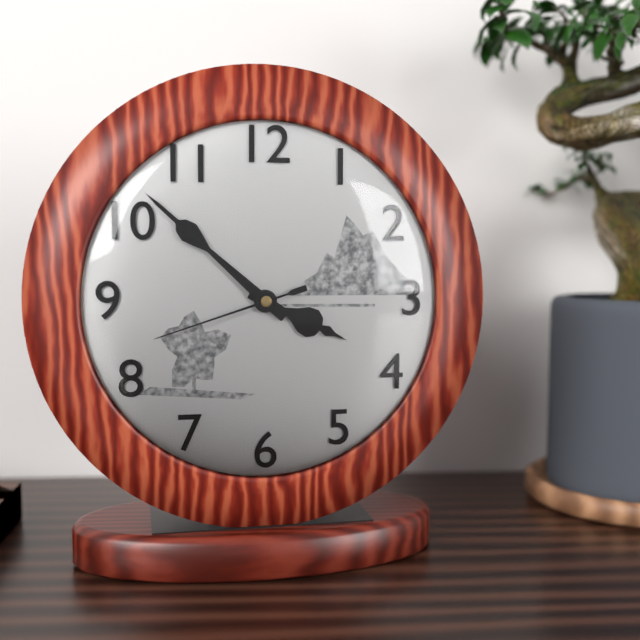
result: 3.52.42
